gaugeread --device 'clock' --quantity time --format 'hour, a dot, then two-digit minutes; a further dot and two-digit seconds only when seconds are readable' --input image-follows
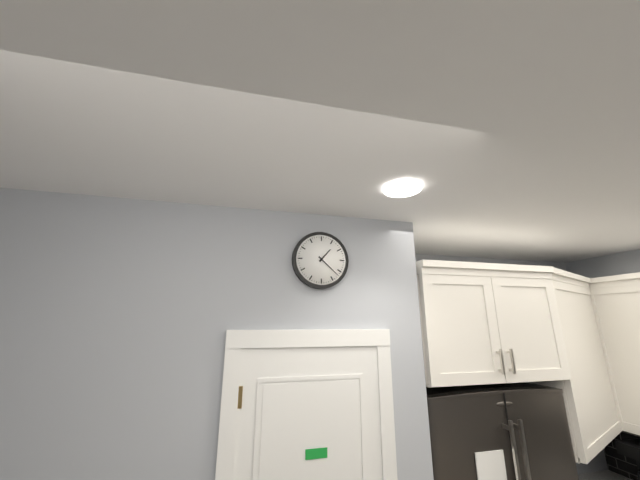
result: 1.22
